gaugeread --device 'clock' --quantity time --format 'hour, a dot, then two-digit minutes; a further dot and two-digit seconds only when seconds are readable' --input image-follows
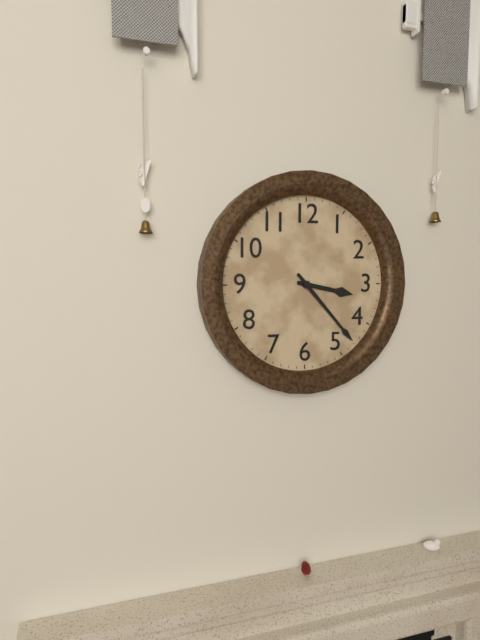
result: 3.23
